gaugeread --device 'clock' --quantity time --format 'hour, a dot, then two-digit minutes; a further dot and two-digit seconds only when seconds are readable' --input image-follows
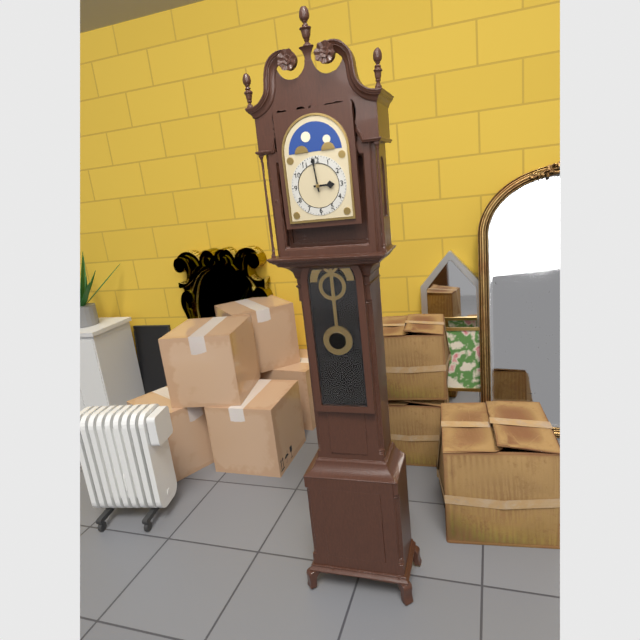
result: 2.59
